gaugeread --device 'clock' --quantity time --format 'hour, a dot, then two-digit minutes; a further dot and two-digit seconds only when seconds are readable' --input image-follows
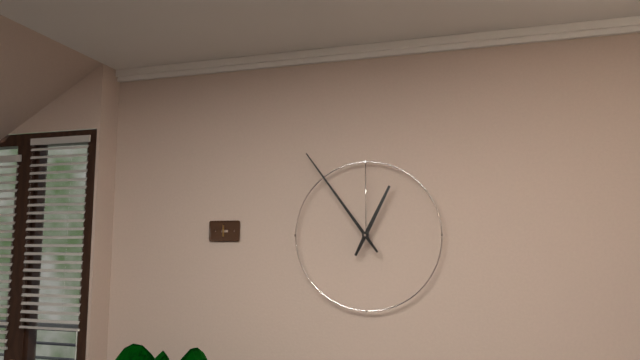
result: 12.54
